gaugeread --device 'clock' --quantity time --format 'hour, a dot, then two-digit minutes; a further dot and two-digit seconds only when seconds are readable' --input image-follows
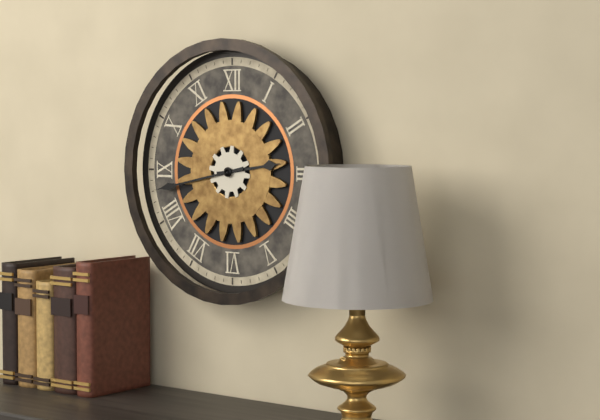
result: 2.43
